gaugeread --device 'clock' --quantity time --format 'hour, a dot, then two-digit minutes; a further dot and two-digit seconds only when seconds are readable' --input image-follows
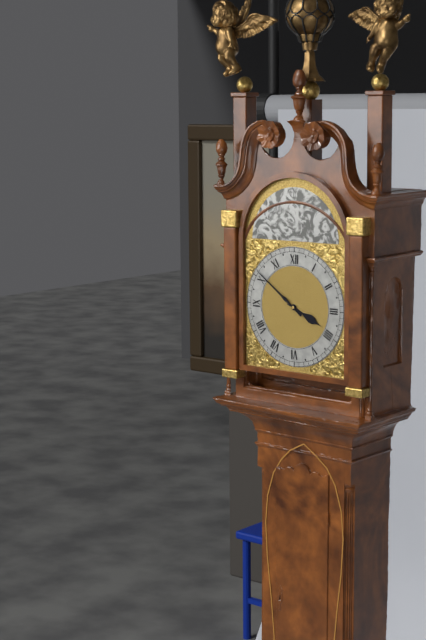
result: 3.51
